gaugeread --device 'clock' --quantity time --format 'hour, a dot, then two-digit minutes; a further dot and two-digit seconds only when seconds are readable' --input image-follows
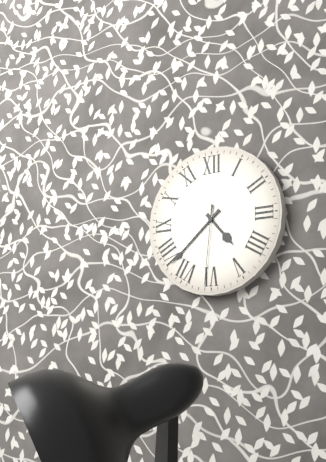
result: 4.38.31
